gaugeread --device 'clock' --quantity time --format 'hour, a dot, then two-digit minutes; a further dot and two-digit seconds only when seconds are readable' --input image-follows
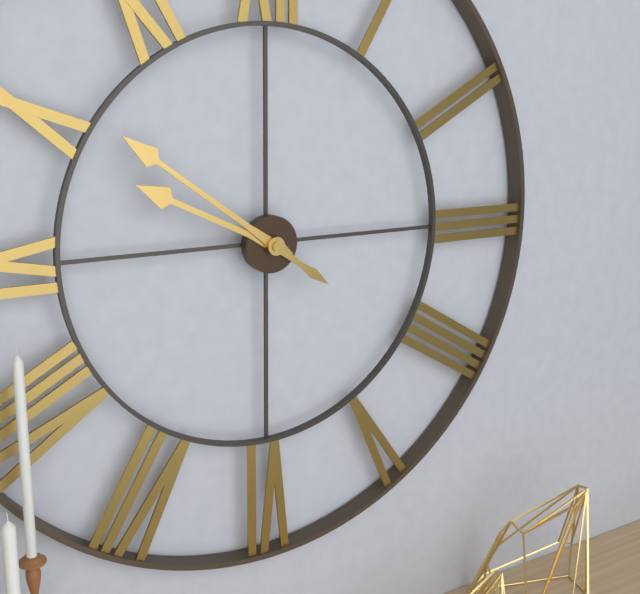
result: 9.51
